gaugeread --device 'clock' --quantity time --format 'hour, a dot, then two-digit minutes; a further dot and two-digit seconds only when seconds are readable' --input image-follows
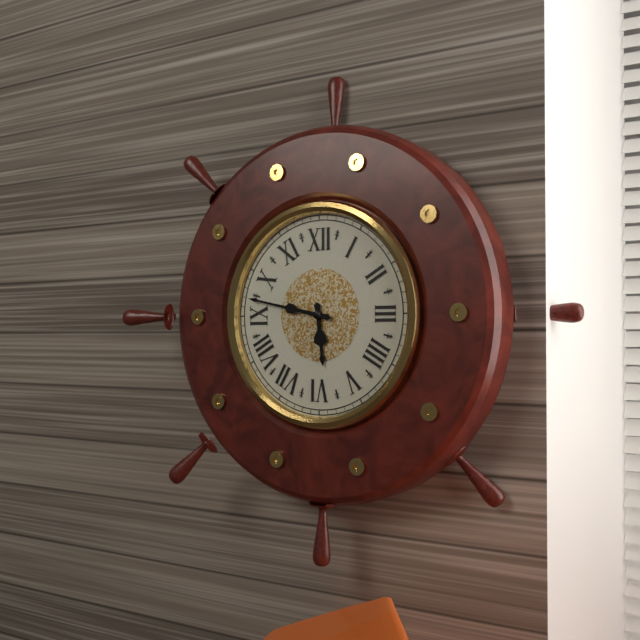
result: 5.47
